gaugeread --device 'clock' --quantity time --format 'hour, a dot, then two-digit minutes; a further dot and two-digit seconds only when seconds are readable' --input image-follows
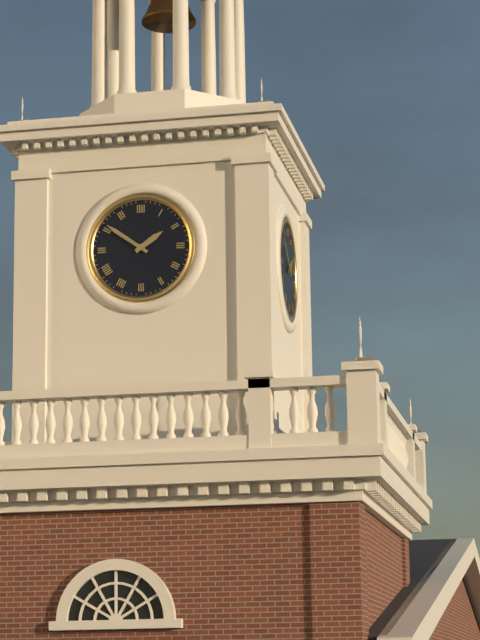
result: 1.51
